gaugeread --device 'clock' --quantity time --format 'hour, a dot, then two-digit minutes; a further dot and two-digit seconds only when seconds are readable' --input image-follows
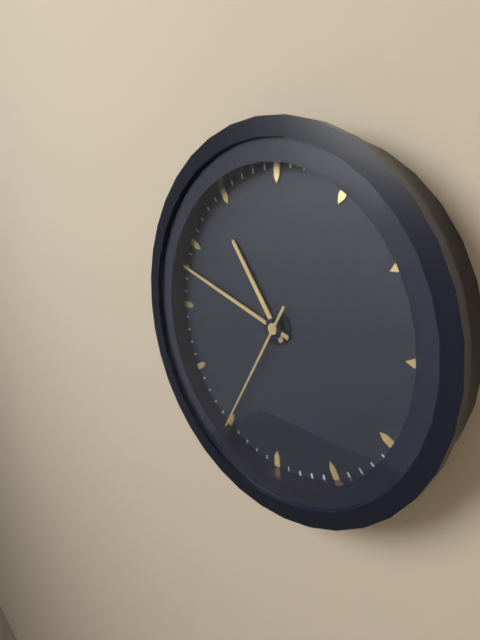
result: 10.48.35
